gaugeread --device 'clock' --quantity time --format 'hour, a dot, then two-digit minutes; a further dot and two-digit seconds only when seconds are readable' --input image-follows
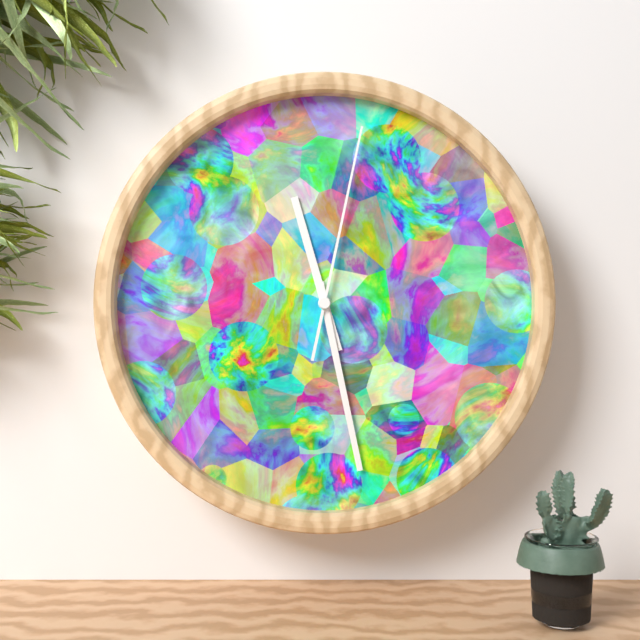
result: 11.28.02
